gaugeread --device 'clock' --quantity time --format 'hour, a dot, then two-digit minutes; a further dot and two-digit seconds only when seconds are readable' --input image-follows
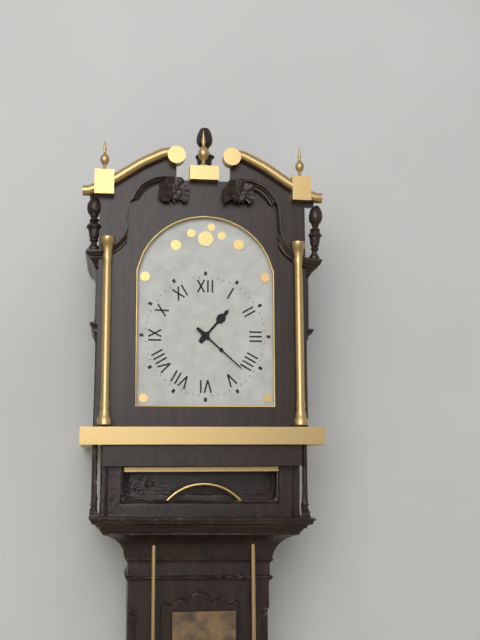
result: 1.22
